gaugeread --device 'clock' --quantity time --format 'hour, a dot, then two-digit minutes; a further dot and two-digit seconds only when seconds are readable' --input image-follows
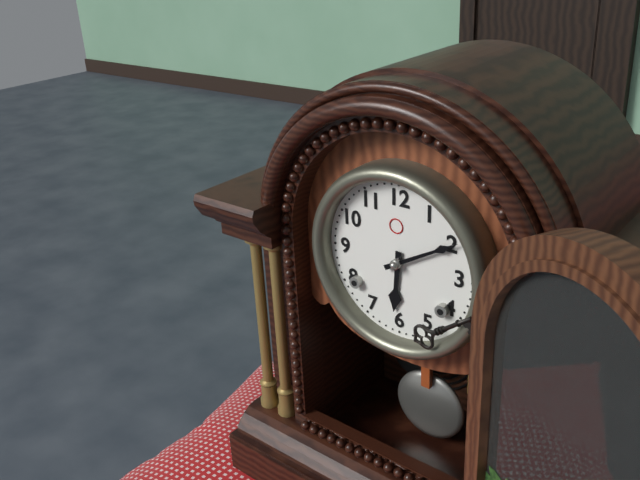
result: 6.10
